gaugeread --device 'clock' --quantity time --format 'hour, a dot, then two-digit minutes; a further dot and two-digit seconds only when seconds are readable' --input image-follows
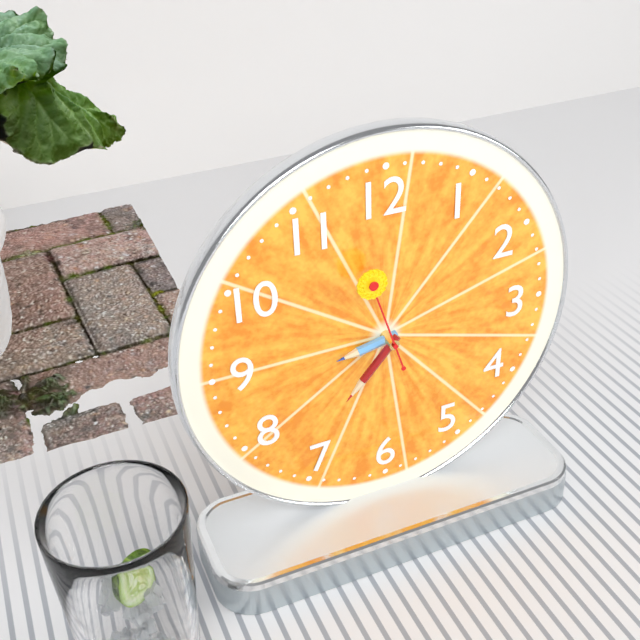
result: 8.37.57
